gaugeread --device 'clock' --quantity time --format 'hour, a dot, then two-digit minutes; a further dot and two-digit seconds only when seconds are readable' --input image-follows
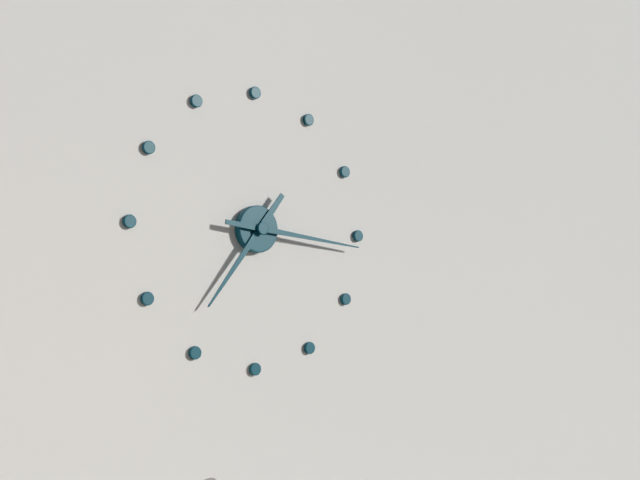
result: 7.16
